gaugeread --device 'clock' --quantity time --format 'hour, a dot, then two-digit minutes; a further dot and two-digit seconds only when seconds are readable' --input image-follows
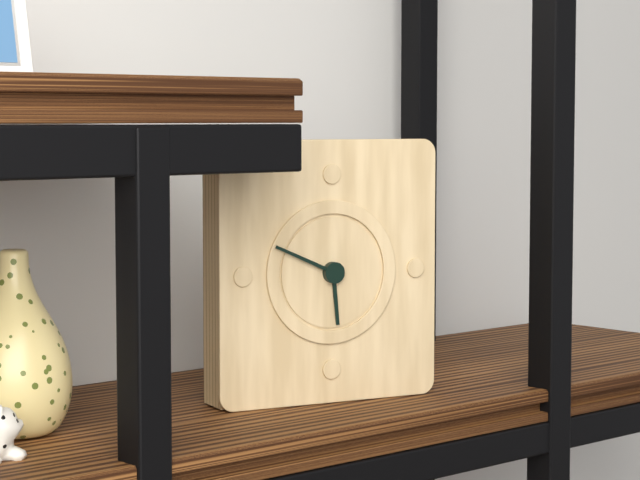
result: 5.49
